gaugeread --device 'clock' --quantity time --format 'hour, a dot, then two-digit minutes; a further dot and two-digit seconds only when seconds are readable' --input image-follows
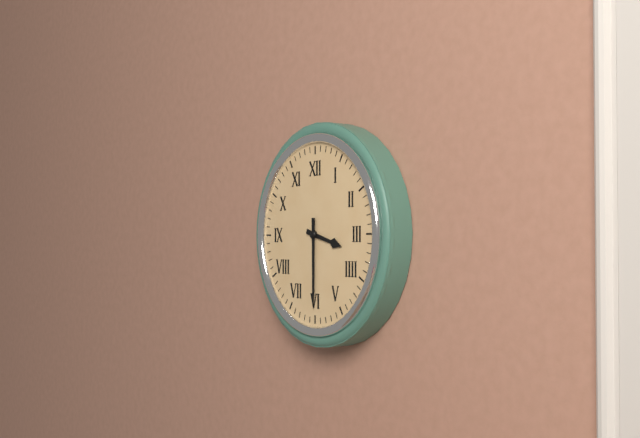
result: 3.30
